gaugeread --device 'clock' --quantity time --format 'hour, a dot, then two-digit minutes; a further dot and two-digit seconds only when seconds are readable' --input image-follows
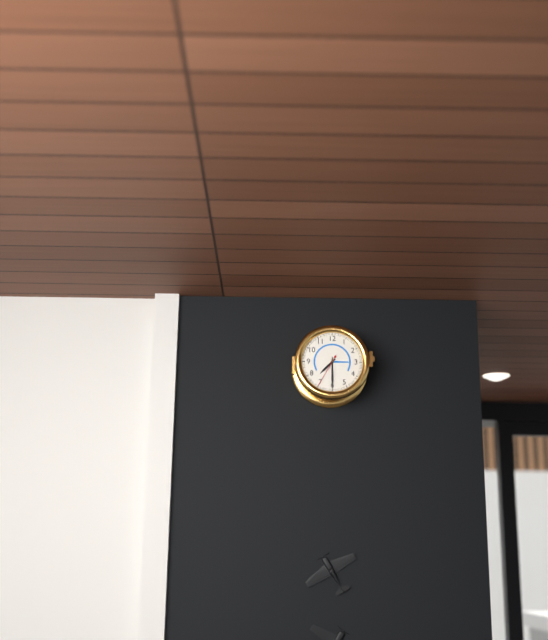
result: 7.30
